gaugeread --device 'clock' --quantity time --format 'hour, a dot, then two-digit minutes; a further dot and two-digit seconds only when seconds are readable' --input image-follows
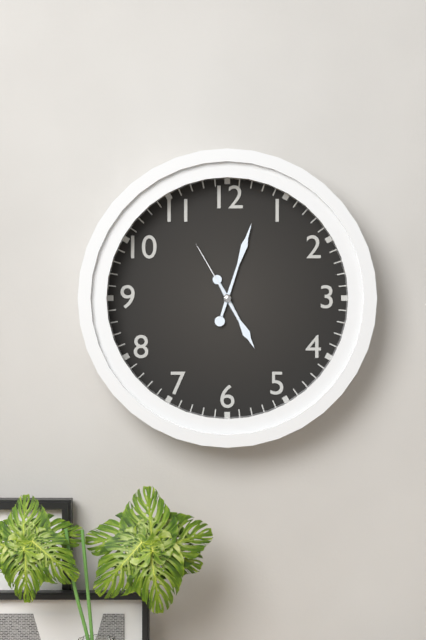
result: 5.03.55
